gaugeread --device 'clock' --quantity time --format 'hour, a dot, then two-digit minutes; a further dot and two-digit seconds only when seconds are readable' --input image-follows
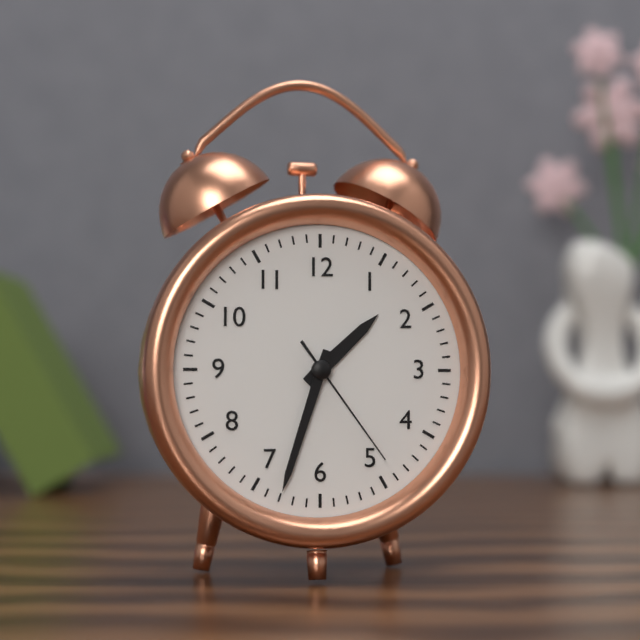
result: 1.33.24
